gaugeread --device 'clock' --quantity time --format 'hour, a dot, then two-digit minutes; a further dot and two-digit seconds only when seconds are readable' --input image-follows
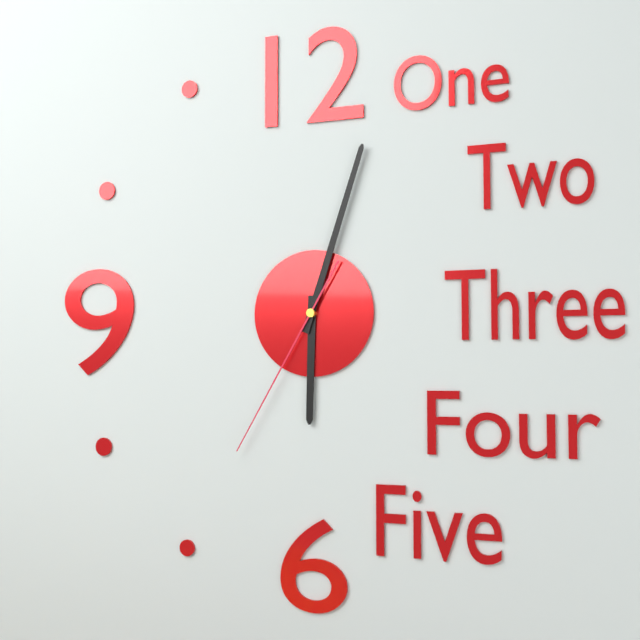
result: 6.03.35
